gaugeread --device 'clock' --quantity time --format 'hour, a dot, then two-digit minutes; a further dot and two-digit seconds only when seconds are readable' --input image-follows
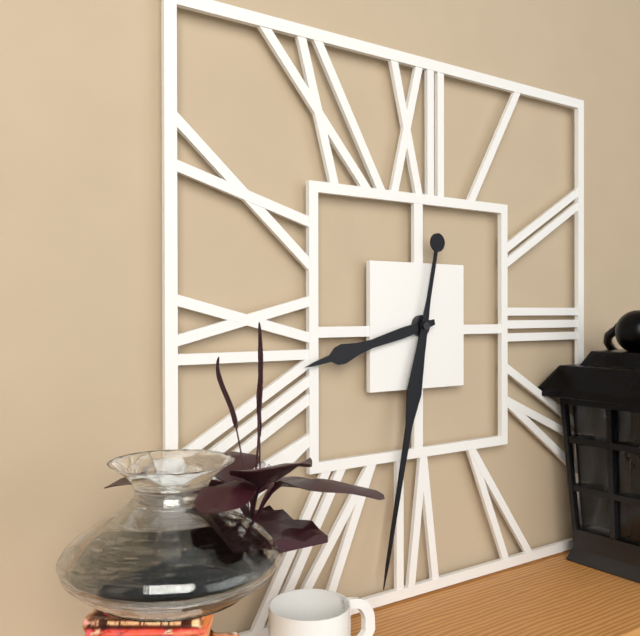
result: 8.32
